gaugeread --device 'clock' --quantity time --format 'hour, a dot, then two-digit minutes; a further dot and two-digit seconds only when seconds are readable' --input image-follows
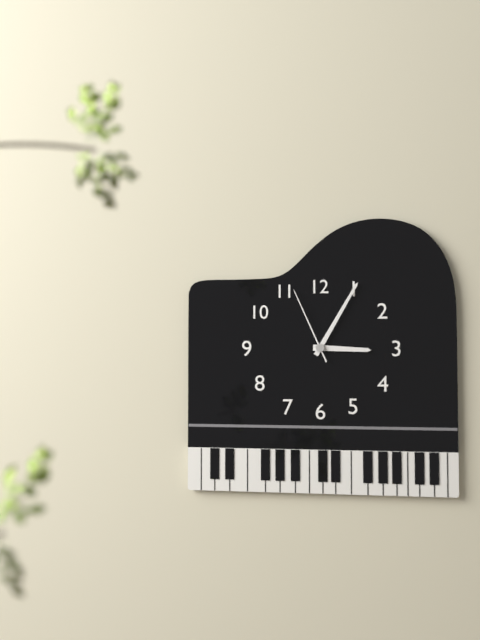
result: 3.05.56
